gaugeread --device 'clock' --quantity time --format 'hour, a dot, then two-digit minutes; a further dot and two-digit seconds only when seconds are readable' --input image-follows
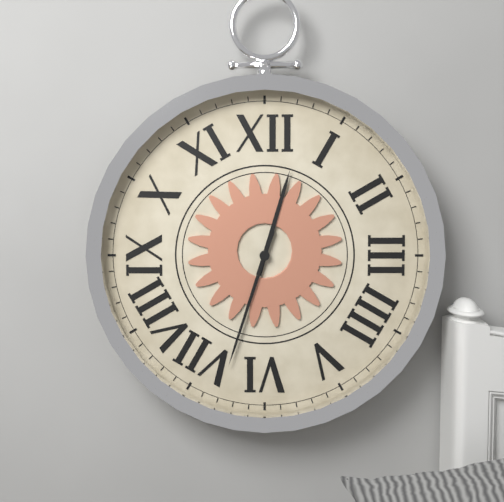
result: 12.33
